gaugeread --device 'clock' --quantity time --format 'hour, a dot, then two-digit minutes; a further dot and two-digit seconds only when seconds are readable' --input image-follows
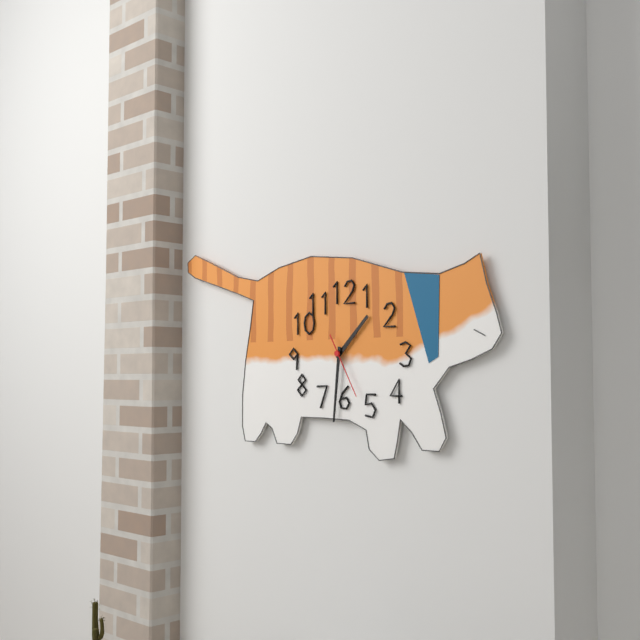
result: 1.31.25
